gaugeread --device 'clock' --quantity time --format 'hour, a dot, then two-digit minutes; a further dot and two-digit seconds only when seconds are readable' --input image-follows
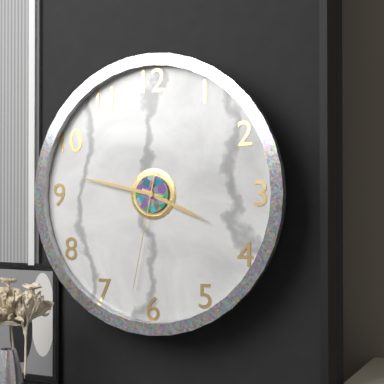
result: 3.47.32
